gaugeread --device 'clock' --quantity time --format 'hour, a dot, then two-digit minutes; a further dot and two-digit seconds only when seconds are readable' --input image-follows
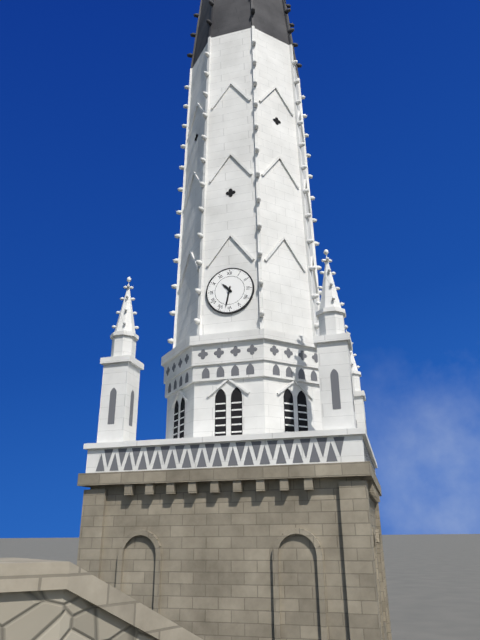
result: 10.32
